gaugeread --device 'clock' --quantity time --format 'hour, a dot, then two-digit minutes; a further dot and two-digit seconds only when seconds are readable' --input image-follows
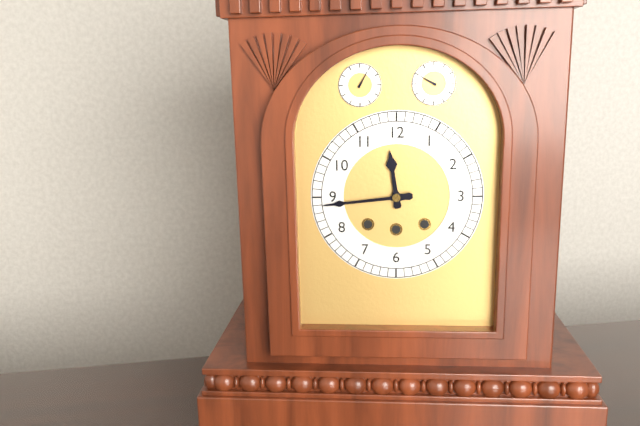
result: 11.44
